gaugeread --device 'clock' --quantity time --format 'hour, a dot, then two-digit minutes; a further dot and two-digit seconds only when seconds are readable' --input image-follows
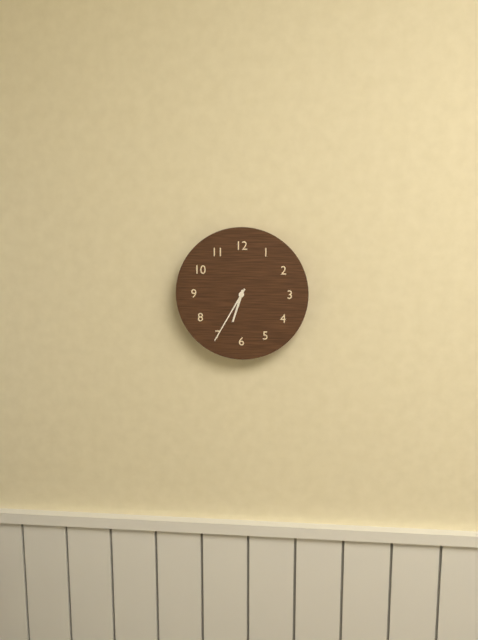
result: 6.35
